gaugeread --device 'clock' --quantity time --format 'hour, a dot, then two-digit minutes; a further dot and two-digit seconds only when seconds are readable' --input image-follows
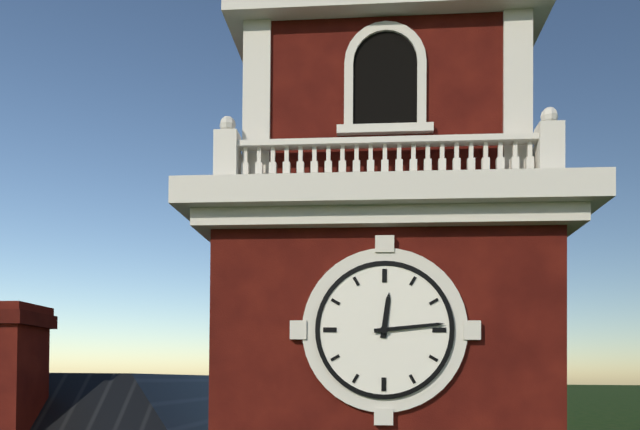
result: 12.14
